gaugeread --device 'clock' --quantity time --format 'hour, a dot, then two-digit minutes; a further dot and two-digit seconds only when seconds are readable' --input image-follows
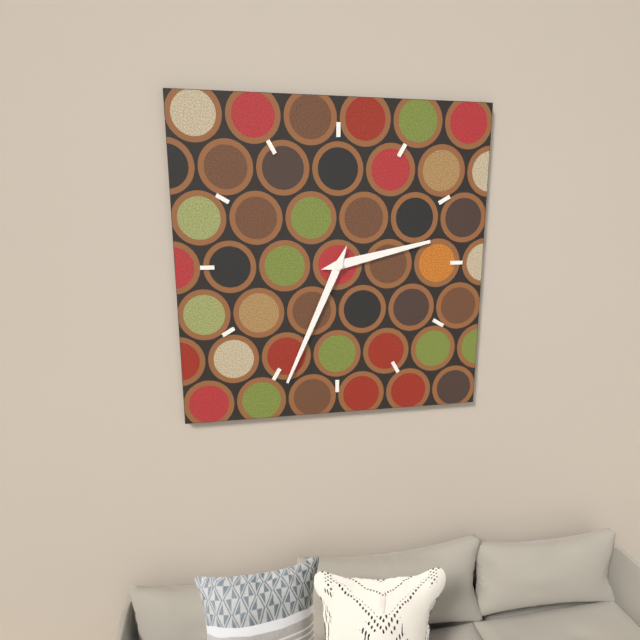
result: 2.34
